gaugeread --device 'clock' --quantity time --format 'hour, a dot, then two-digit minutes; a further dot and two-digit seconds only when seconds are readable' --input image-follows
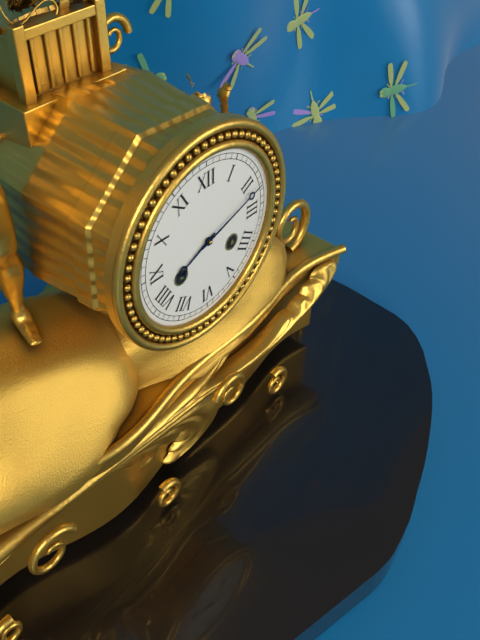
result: 8.12
